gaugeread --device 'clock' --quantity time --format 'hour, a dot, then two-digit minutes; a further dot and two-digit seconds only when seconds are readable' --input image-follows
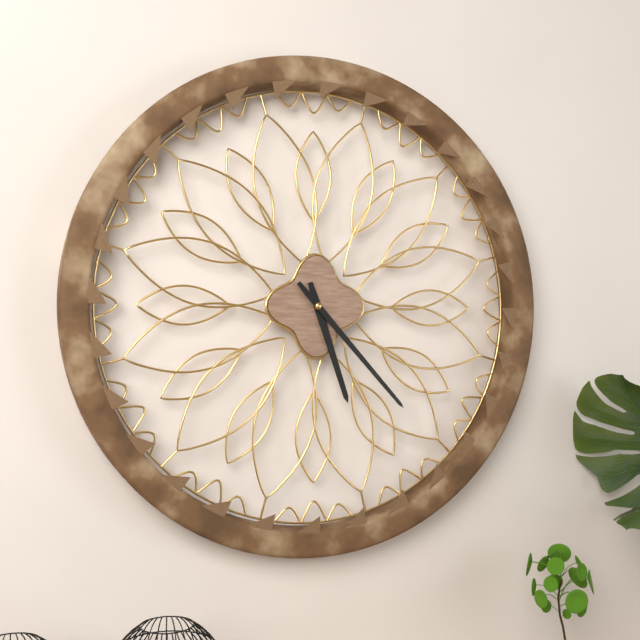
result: 5.23
